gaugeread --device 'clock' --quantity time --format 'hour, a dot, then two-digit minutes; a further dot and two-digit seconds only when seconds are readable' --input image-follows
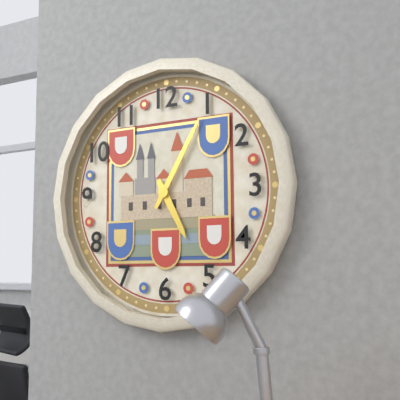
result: 5.05
